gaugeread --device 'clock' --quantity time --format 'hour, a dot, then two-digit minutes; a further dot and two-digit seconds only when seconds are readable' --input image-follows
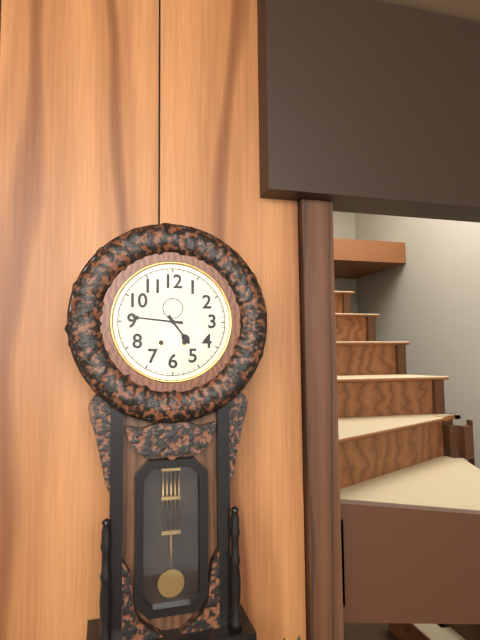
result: 4.46
